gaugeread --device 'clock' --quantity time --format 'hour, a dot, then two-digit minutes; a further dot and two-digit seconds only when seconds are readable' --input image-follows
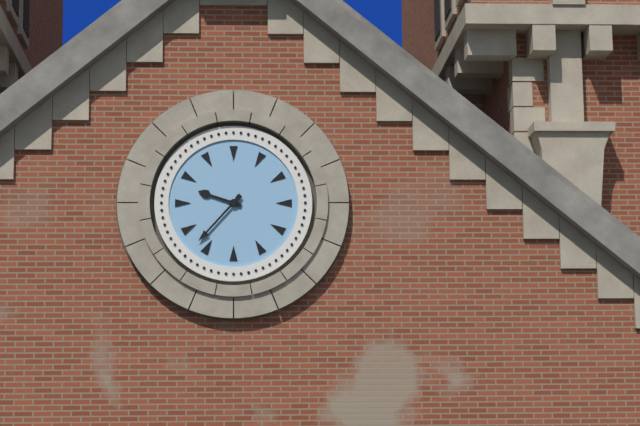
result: 9.37
